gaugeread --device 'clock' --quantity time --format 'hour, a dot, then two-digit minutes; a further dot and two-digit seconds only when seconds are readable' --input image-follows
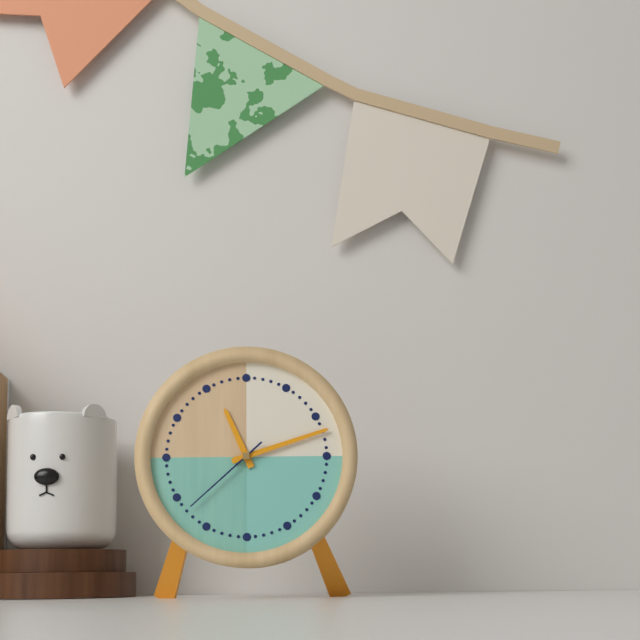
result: 11.12.38
